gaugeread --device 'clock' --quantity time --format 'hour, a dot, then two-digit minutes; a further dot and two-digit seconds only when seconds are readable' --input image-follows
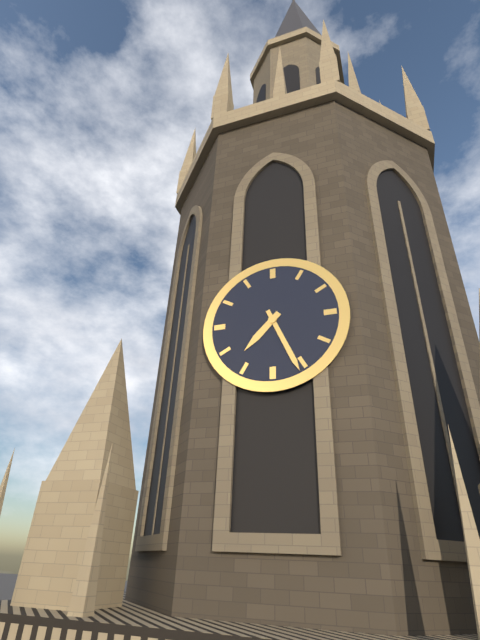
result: 7.26
